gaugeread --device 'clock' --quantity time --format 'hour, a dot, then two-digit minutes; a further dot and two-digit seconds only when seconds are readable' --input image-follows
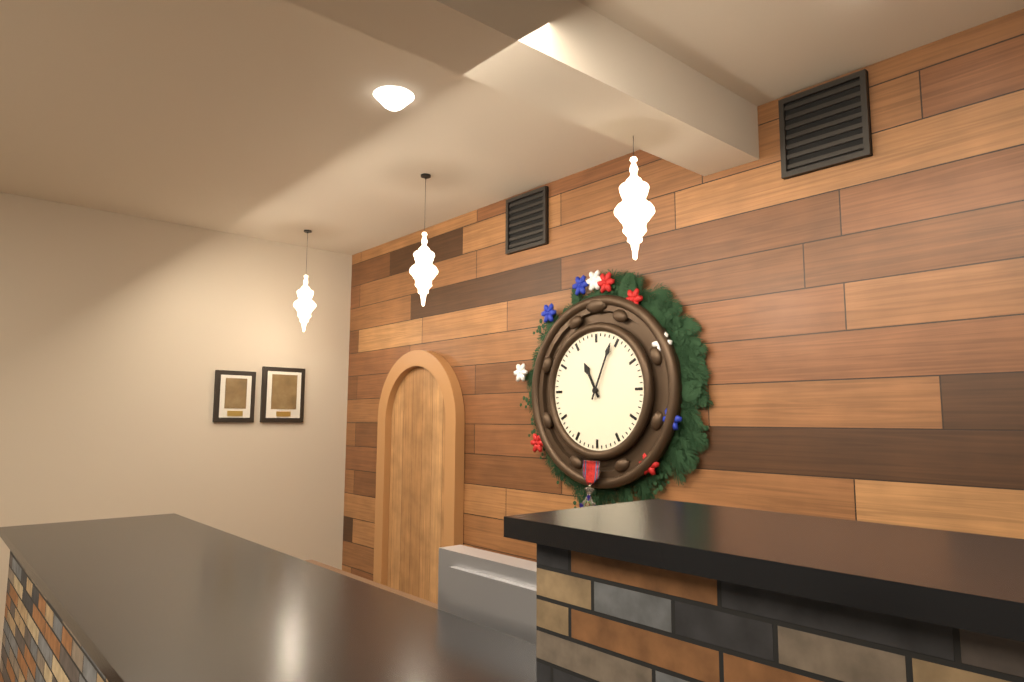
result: 11.04
